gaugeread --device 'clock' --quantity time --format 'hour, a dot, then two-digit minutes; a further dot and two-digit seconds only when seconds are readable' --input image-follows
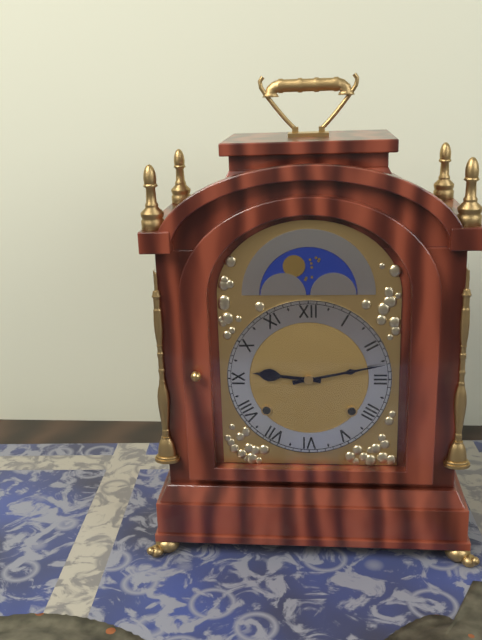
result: 9.13
